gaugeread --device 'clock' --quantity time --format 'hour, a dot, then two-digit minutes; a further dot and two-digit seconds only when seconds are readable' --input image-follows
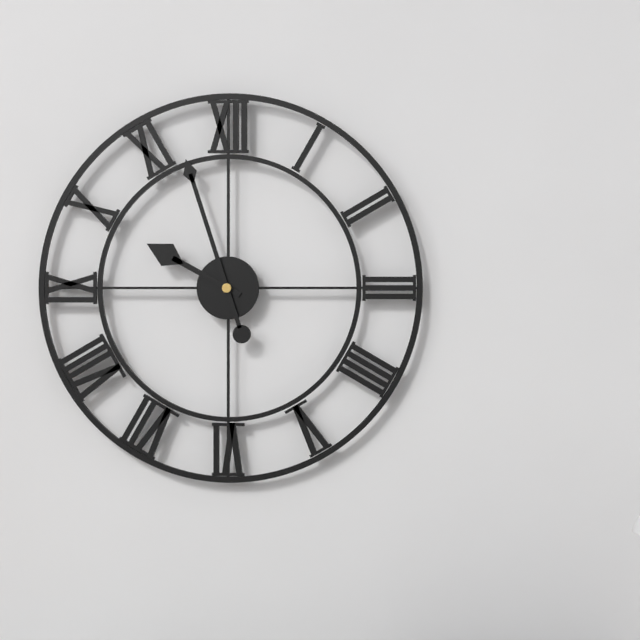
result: 9.57
